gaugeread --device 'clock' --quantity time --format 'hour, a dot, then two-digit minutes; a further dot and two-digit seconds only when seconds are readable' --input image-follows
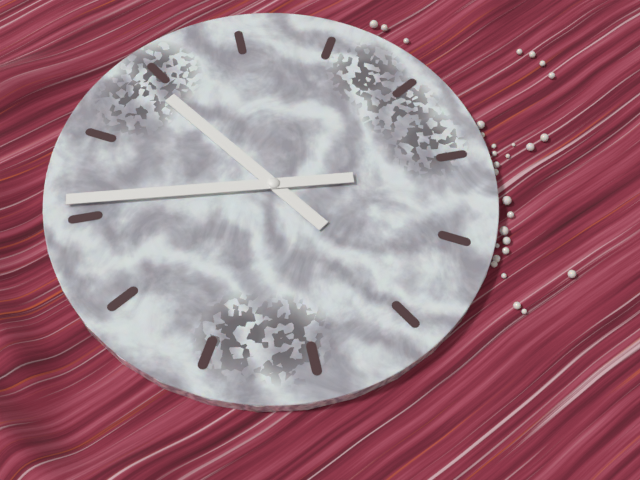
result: 11.51
